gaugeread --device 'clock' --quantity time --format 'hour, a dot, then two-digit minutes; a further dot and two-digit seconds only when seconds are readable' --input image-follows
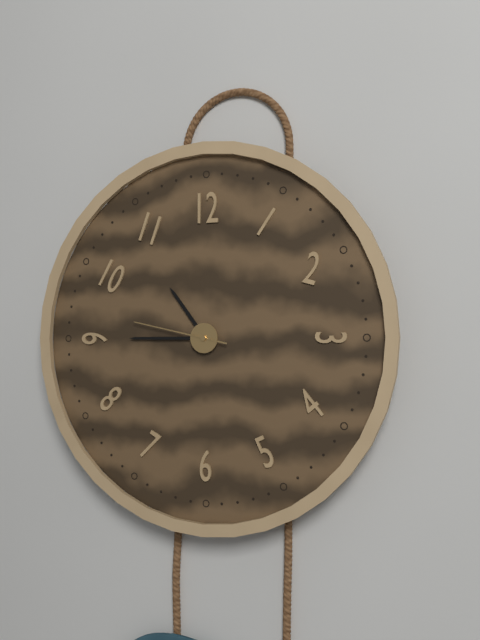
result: 10.45.47
